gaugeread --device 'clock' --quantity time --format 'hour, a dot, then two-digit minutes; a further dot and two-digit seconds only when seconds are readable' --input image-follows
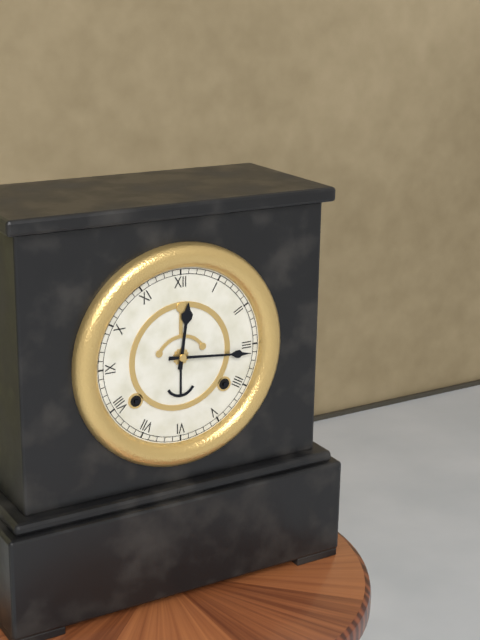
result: 12.16
